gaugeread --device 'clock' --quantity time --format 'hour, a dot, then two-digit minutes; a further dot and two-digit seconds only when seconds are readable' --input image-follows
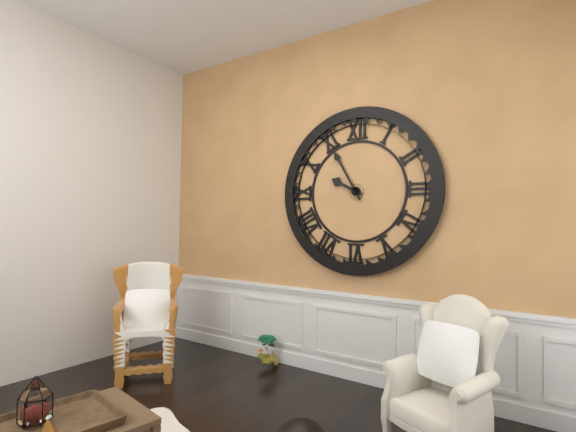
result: 9.55
